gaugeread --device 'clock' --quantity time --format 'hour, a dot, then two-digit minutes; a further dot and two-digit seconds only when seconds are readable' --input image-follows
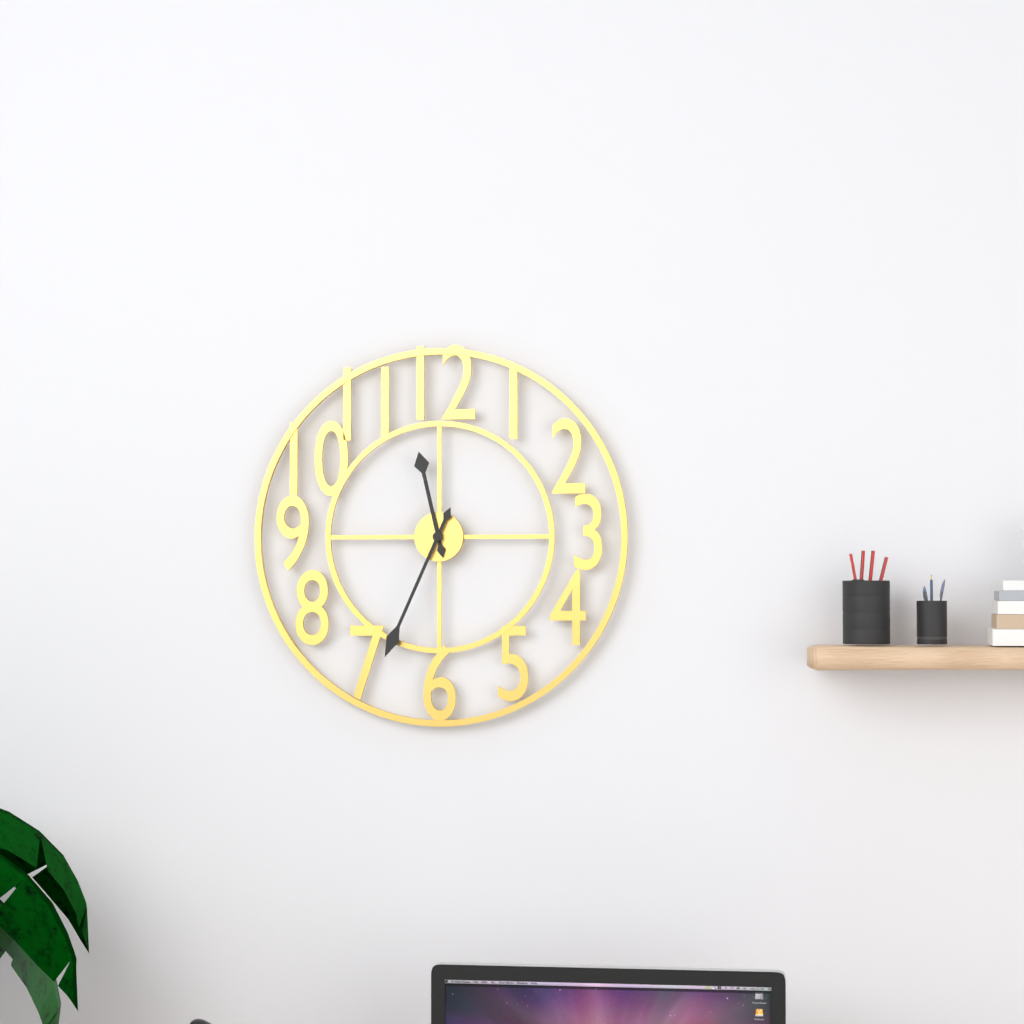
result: 11.34
